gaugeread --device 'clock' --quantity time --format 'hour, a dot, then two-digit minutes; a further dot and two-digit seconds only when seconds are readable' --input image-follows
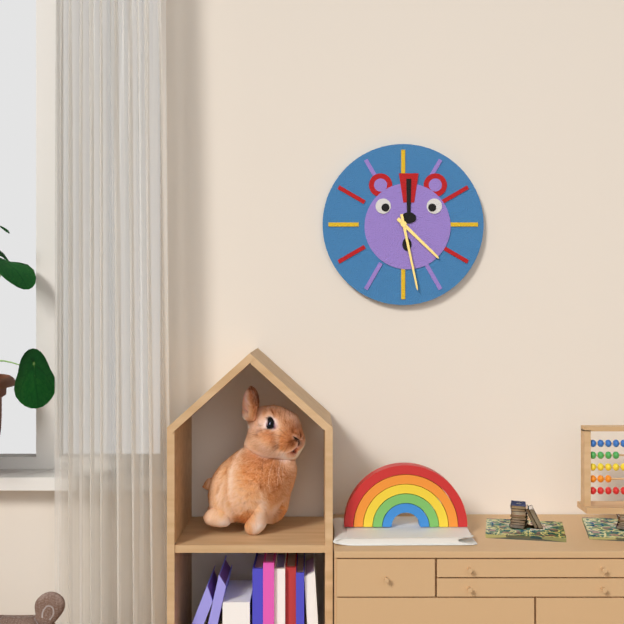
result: 4.28
